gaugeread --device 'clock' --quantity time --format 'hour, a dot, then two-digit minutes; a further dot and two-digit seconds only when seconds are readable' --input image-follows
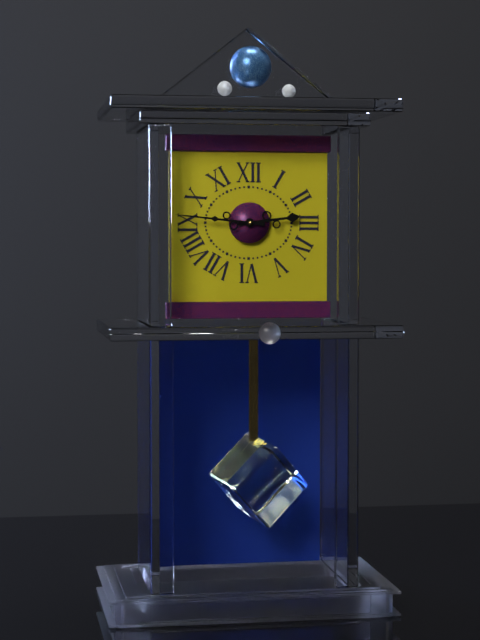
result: 2.46
